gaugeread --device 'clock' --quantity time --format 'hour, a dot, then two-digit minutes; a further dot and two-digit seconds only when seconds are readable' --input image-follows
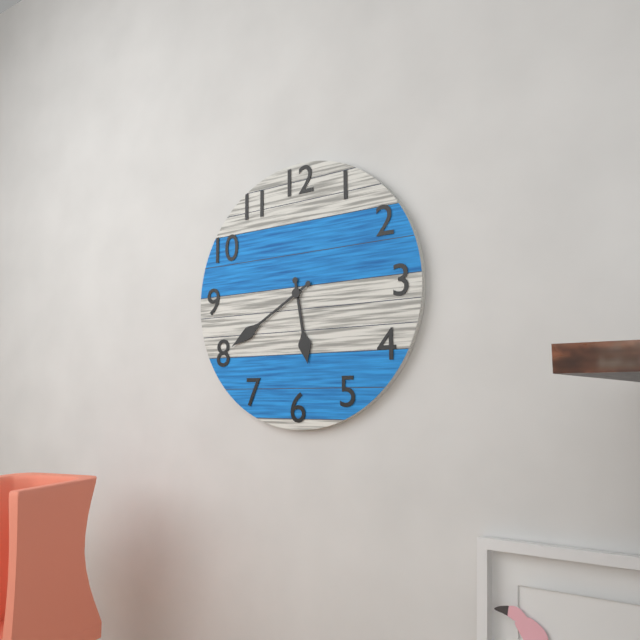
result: 5.40
